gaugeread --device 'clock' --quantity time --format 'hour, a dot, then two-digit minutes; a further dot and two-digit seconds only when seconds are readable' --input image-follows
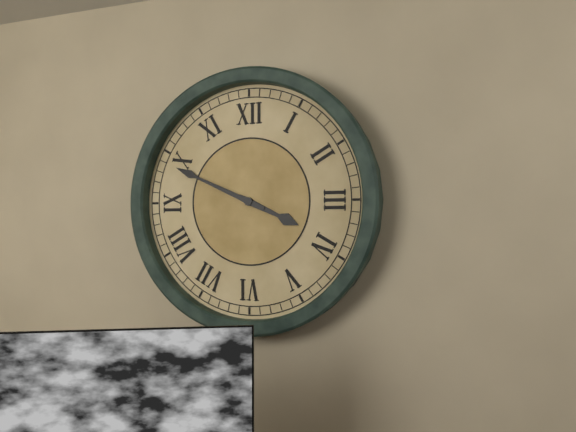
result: 3.49
